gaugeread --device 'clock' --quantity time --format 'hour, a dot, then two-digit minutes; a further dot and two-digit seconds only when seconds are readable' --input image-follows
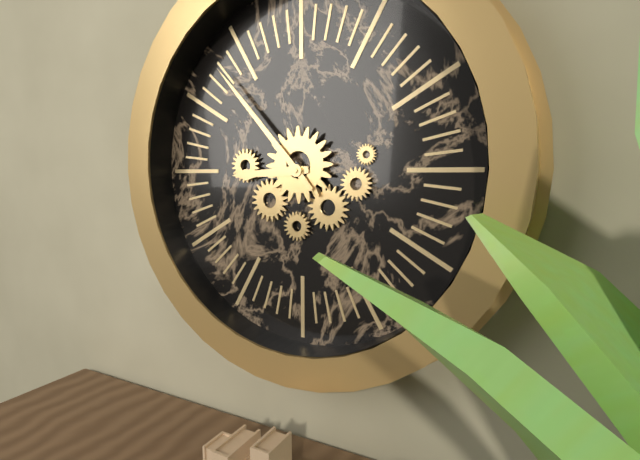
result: 8.53
